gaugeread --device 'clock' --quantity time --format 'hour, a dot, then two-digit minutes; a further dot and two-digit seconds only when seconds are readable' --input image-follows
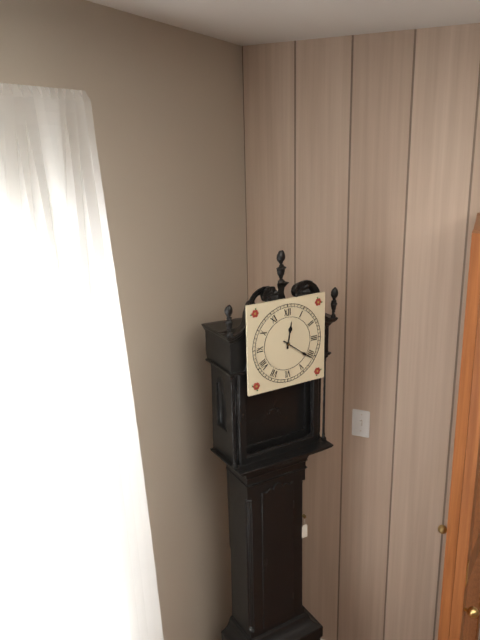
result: 12.21
